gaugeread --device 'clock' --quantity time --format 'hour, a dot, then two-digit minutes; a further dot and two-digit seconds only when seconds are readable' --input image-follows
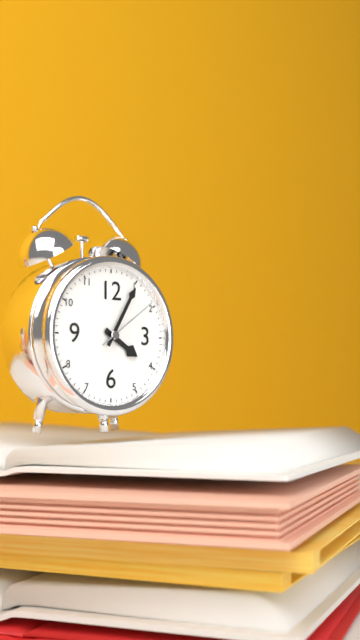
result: 4.05.09
